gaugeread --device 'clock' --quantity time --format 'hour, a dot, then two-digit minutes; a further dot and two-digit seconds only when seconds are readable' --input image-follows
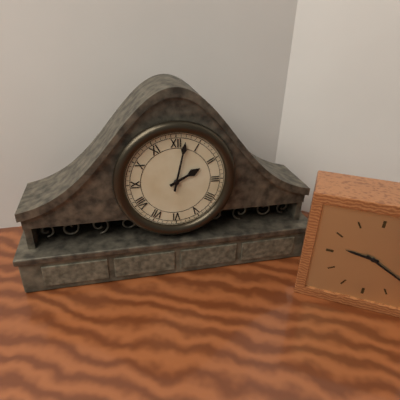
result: 2.02
